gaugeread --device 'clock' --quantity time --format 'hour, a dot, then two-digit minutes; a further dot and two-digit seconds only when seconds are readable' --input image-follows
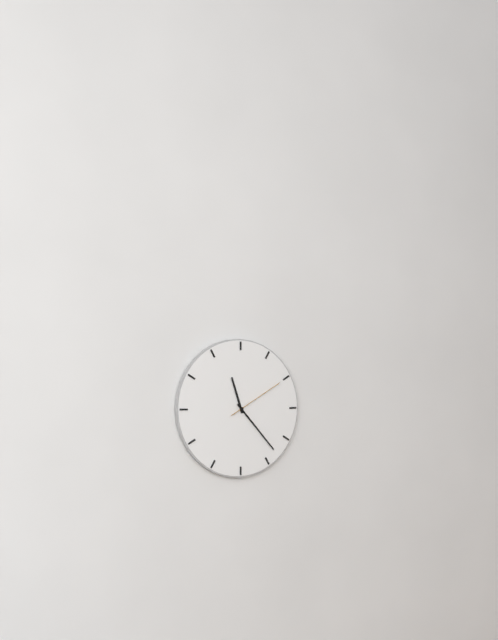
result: 11.23.10
